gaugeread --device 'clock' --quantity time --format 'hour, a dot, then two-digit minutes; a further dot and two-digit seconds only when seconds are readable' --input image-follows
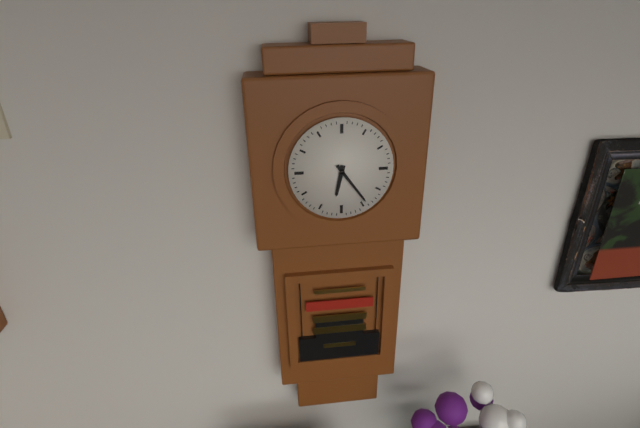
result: 6.24
